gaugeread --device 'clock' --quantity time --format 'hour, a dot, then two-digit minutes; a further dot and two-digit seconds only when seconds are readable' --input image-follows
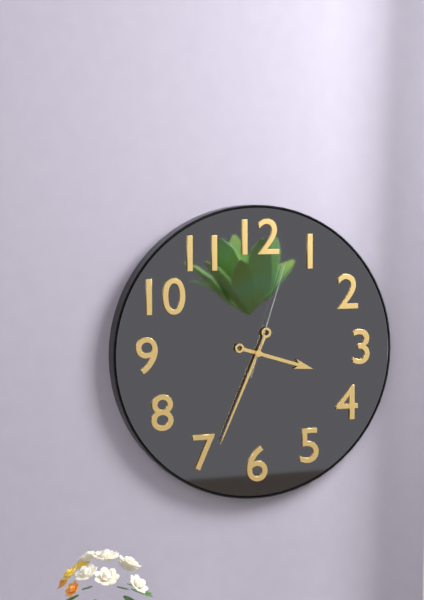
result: 3.34.03
